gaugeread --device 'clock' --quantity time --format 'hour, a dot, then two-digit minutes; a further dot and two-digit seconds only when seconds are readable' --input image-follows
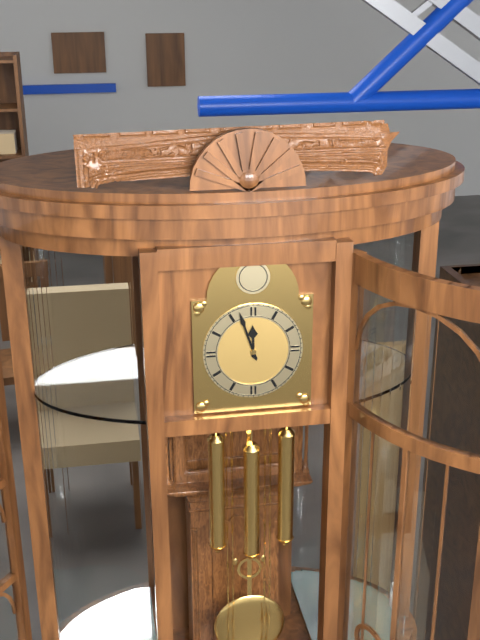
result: 11.57
